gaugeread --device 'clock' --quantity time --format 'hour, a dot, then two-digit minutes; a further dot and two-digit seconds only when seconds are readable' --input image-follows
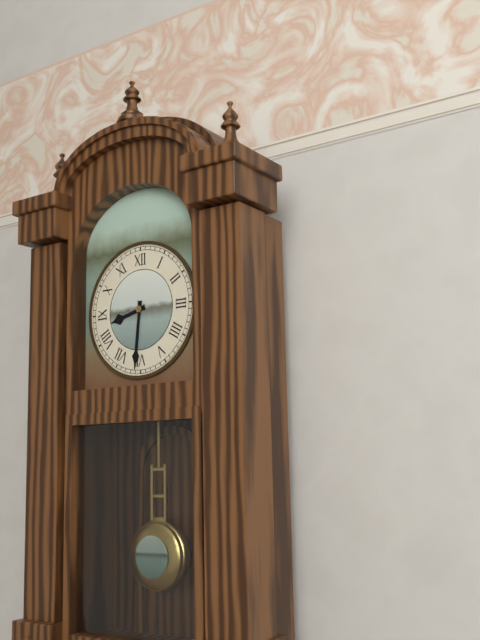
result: 8.31
